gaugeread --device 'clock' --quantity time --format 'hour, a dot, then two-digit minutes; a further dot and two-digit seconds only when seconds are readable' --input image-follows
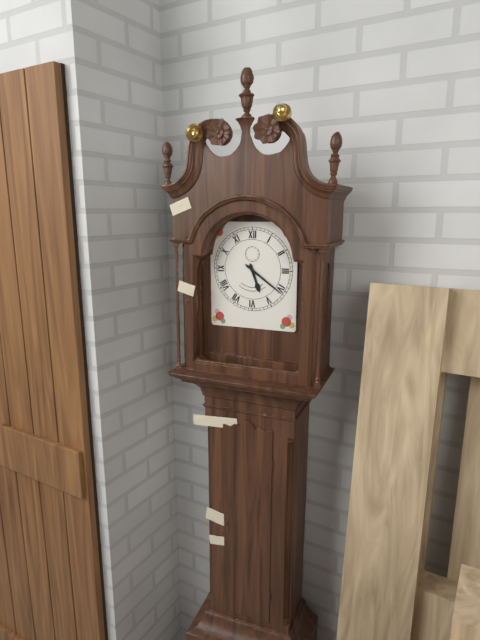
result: 5.21
